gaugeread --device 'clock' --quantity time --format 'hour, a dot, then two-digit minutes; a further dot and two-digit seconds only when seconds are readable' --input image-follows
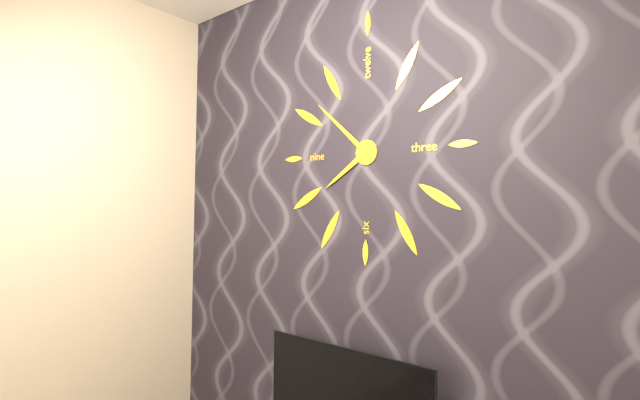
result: 7.52
